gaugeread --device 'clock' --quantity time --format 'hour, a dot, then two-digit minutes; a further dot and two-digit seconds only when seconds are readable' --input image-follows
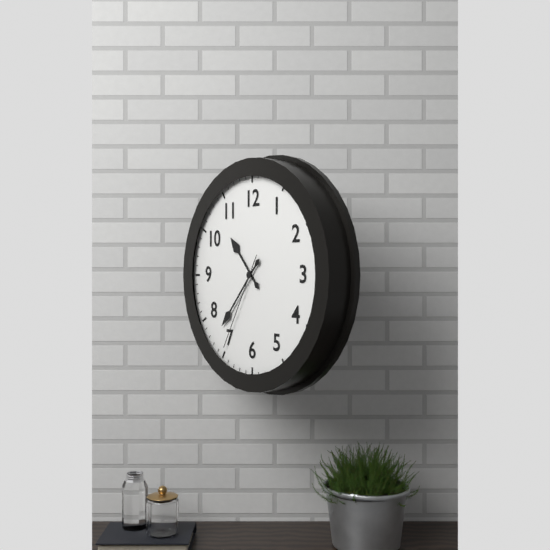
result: 10.37.35
